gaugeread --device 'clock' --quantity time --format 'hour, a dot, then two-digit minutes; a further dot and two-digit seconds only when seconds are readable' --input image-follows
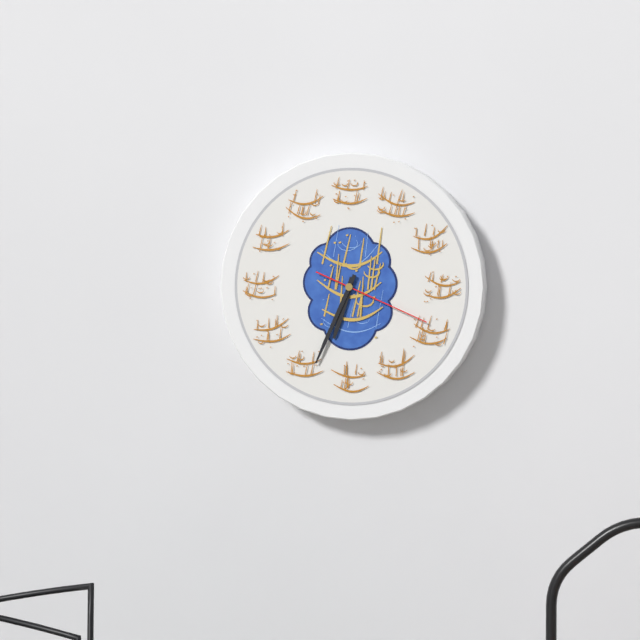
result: 6.34.19
